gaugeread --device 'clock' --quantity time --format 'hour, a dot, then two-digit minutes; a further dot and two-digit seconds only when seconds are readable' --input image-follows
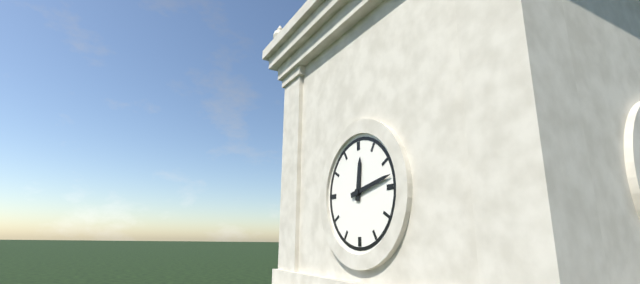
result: 12.13
